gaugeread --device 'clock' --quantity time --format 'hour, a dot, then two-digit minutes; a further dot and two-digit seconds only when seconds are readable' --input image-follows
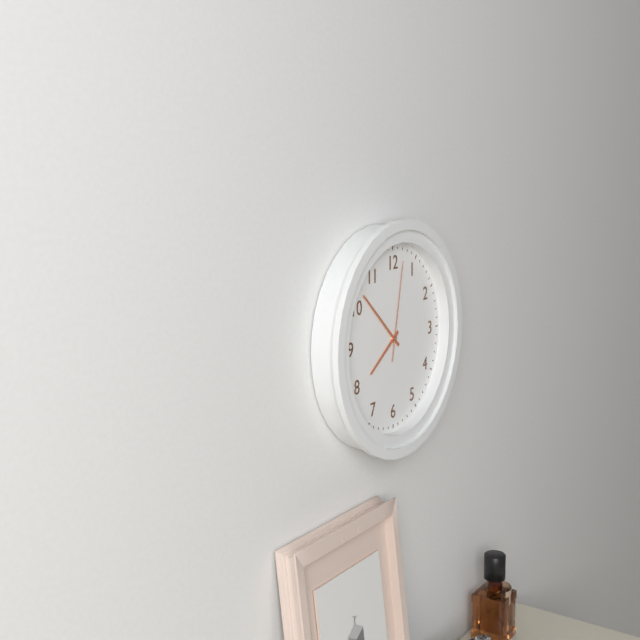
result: 7.52.02
